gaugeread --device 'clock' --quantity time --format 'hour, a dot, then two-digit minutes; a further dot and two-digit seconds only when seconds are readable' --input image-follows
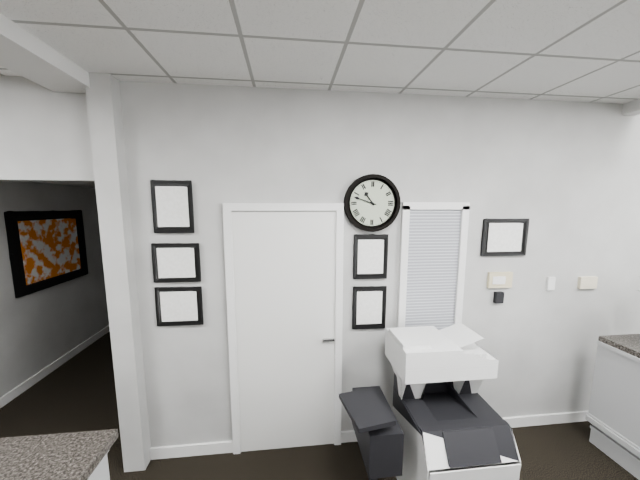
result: 10.48
